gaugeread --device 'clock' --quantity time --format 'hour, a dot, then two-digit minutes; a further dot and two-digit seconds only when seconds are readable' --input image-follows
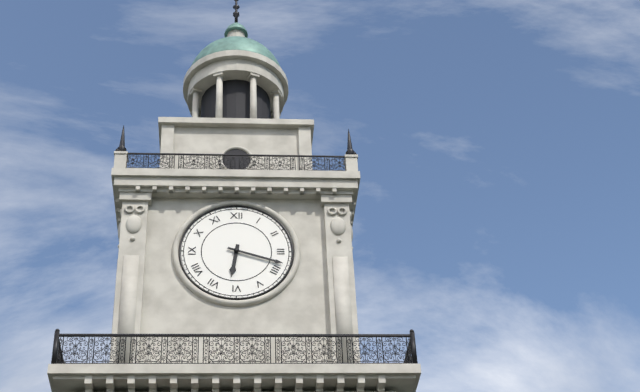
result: 6.18
